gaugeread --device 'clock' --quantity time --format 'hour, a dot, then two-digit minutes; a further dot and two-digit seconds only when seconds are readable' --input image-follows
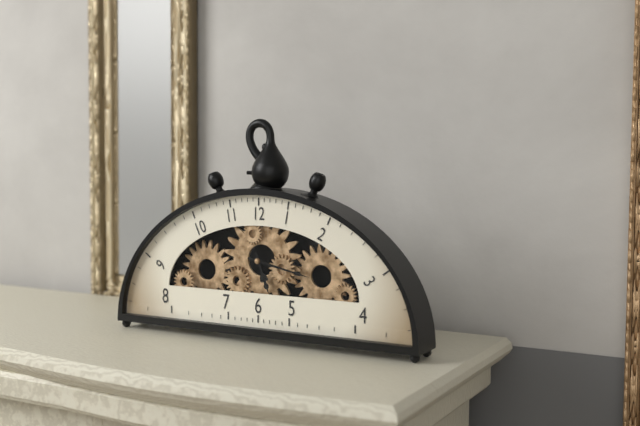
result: 5.17
